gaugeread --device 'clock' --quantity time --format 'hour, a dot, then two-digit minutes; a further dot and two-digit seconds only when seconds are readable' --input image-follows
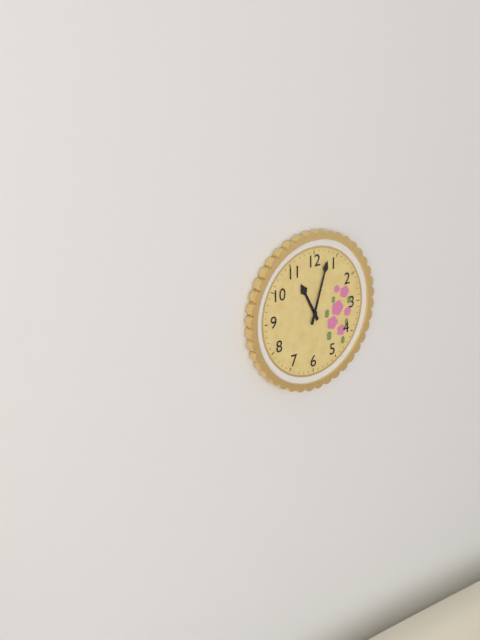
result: 11.03
